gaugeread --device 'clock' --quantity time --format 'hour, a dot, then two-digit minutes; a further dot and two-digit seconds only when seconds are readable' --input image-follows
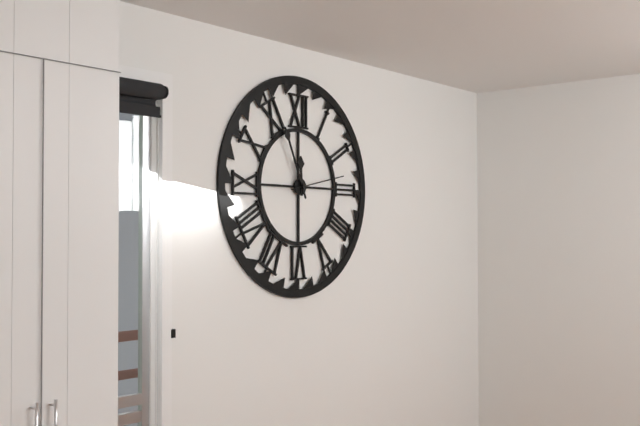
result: 11.56.13
